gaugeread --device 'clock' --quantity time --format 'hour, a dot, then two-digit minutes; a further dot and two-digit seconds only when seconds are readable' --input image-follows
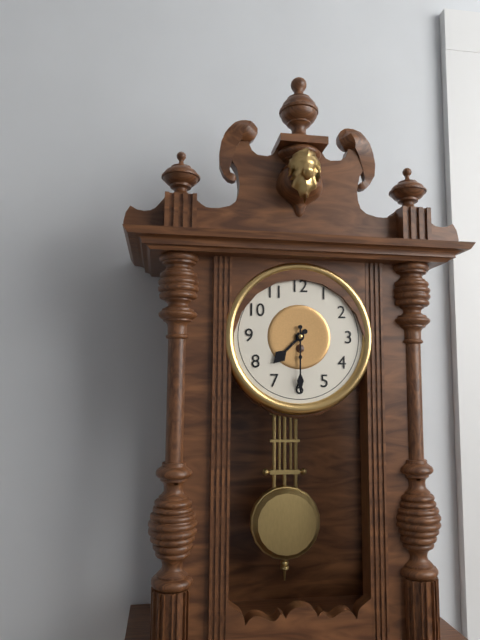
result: 7.30
